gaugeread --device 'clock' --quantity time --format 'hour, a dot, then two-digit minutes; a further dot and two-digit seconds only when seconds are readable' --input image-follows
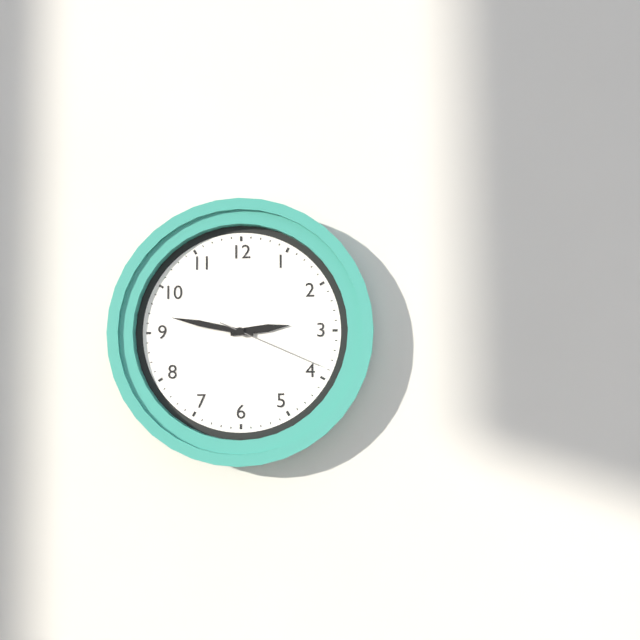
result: 2.47.19
